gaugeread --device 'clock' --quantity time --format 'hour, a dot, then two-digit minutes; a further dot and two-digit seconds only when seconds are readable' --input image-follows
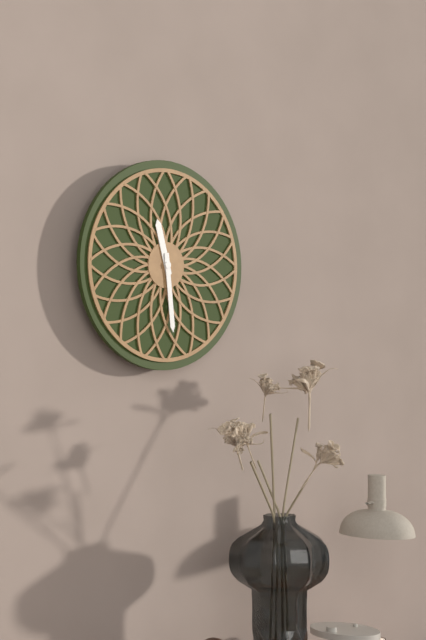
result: 11.29
